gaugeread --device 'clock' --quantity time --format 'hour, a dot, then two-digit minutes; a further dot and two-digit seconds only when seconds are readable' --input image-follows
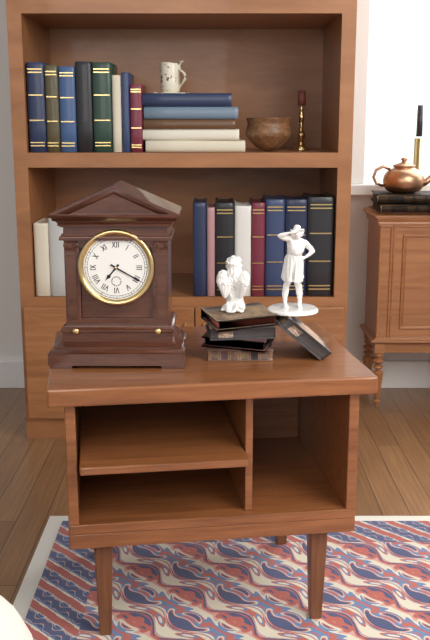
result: 7.20
